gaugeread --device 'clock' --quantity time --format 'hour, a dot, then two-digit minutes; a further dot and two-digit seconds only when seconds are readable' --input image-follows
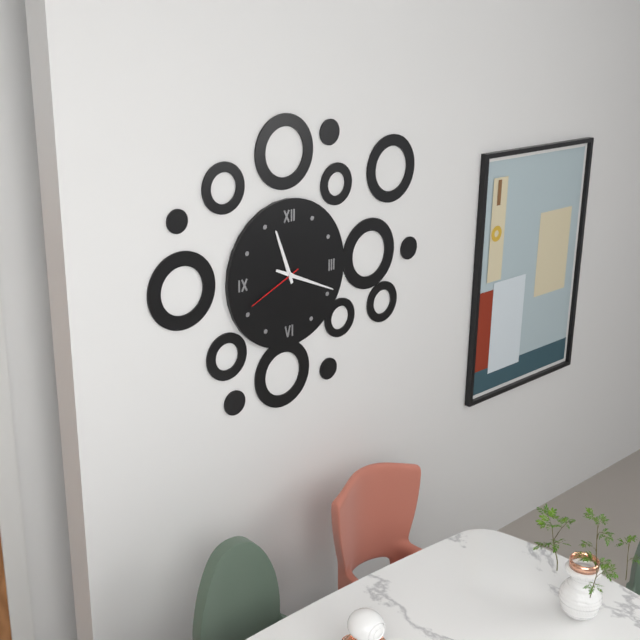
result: 11.19.41
